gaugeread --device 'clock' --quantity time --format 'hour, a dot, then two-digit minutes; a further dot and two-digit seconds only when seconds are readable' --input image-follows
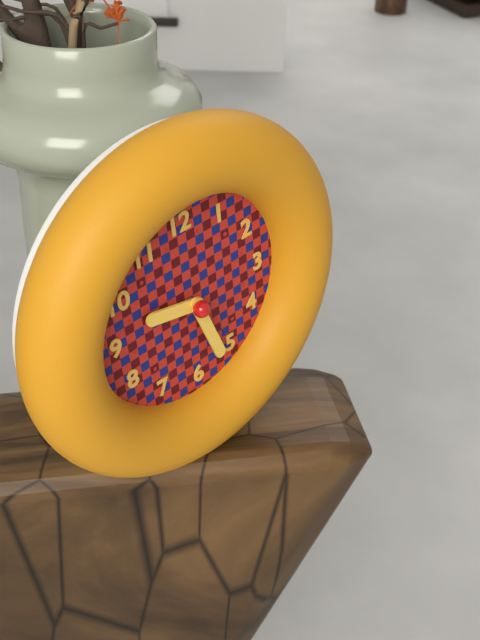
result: 9.27
